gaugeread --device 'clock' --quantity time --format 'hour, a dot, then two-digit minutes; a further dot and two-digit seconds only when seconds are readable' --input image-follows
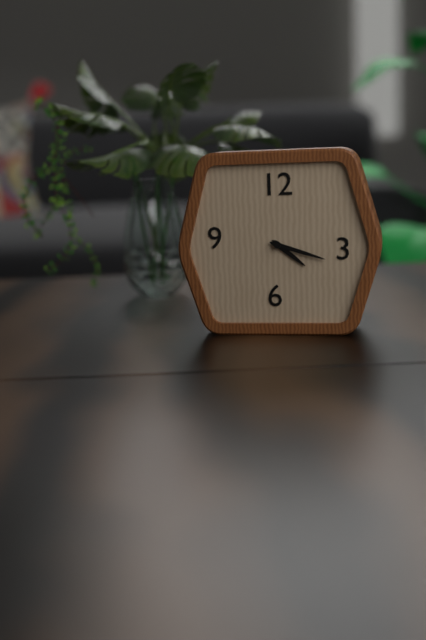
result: 4.18
